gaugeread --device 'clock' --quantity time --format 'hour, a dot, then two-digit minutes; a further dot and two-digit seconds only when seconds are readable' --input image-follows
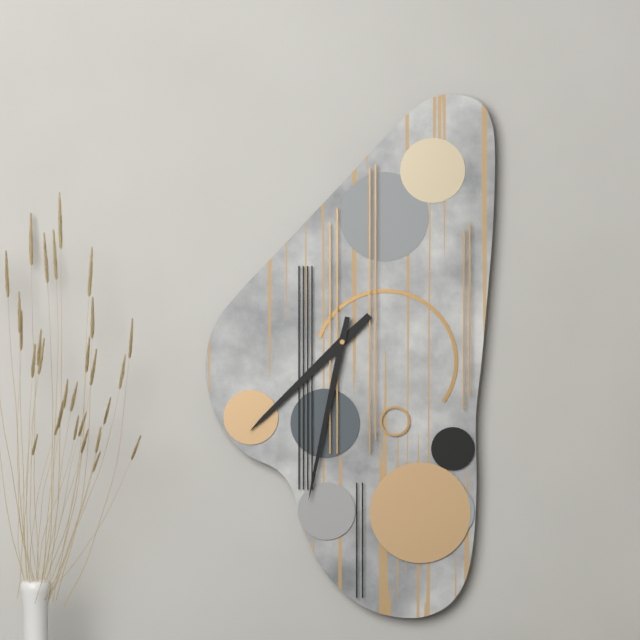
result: 7.32
